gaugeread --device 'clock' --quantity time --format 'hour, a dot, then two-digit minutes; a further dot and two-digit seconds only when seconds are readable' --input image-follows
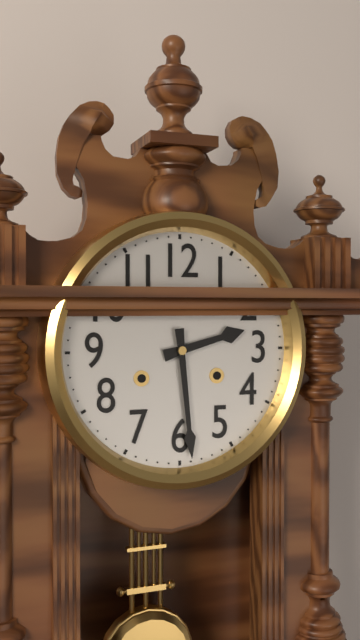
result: 2.29
